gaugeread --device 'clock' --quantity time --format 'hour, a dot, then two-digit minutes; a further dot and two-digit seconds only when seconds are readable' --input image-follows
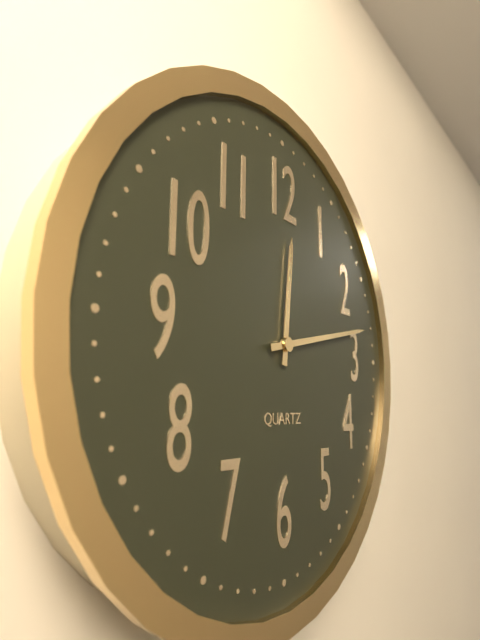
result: 12.13
